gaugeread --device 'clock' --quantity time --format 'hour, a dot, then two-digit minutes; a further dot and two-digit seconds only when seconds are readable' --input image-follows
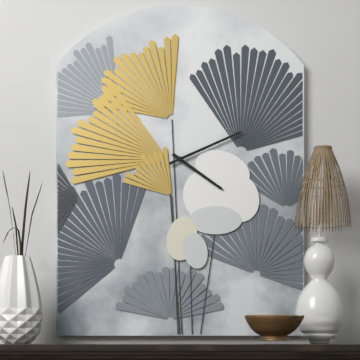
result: 4.11
